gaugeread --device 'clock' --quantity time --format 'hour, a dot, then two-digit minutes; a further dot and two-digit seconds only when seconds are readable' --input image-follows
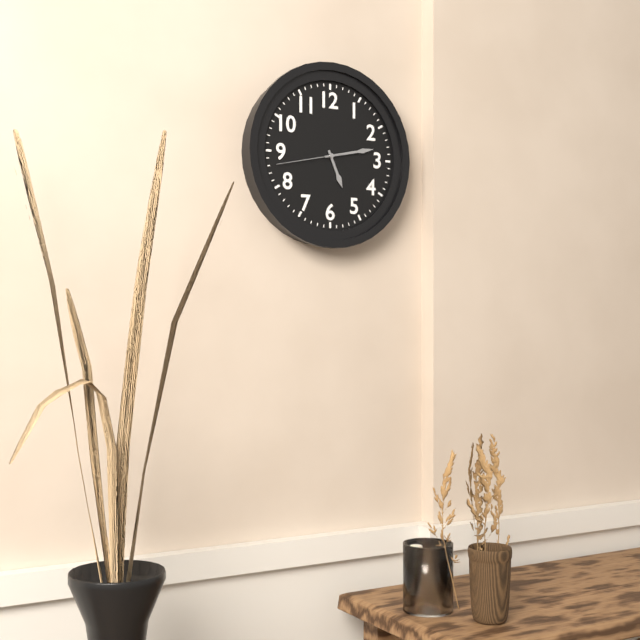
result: 5.13.43
